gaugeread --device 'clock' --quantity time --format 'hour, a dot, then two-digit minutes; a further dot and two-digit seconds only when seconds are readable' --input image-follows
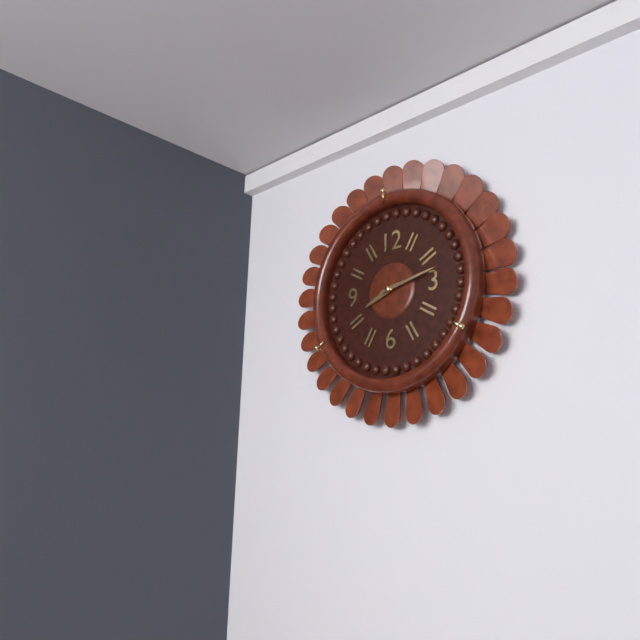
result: 8.13
